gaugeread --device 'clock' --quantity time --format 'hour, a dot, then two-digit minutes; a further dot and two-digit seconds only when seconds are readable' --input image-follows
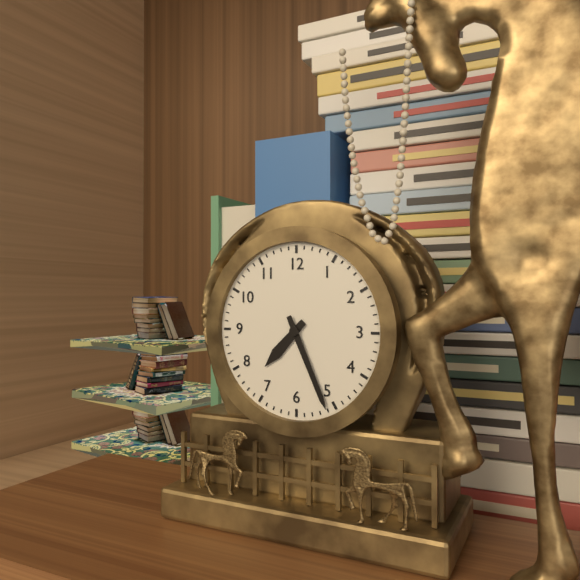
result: 7.26
